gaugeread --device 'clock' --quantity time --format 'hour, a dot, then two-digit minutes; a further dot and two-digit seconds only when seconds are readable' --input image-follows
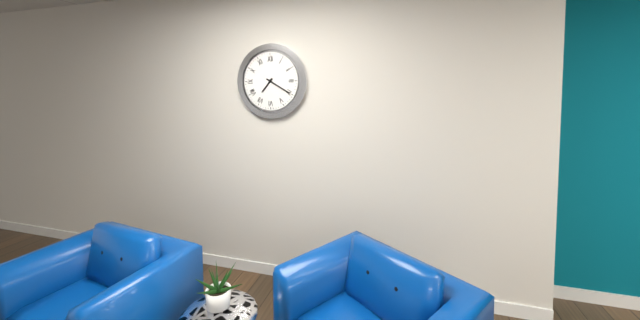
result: 7.20
